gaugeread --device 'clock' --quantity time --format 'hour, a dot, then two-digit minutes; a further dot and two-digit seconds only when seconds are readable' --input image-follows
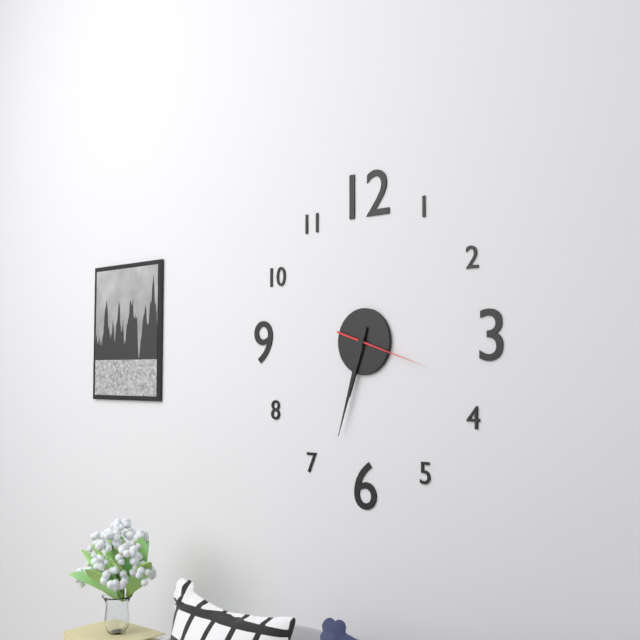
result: 6.33.18
